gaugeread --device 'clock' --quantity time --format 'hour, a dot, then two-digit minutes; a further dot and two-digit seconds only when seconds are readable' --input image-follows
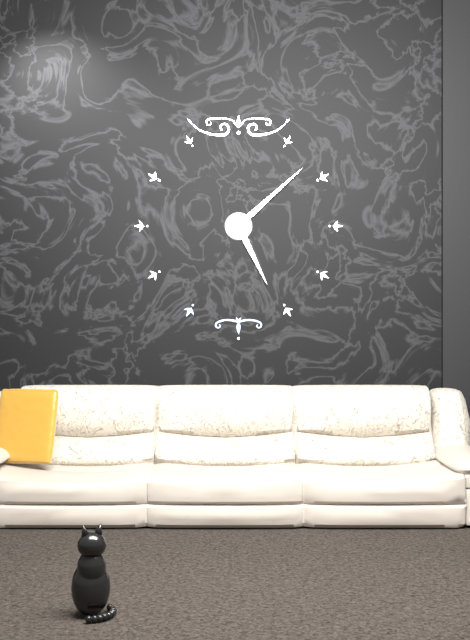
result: 5.08
